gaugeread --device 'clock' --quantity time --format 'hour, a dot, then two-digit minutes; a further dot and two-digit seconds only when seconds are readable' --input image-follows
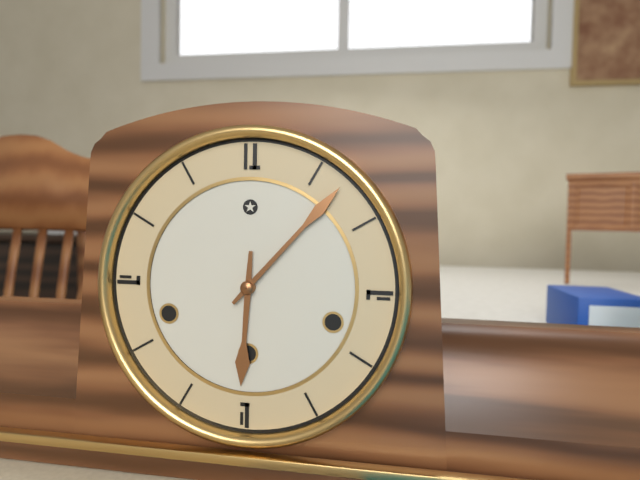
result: 6.07
